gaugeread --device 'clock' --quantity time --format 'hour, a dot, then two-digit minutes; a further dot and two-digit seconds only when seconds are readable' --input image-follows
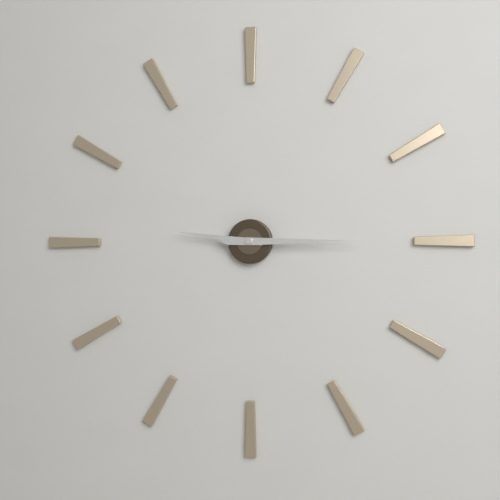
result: 9.15
